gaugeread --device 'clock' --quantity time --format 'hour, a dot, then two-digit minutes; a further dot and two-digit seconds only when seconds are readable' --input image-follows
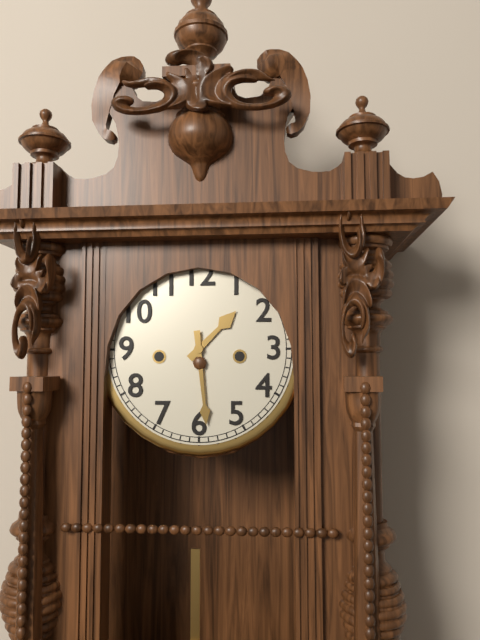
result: 1.29
